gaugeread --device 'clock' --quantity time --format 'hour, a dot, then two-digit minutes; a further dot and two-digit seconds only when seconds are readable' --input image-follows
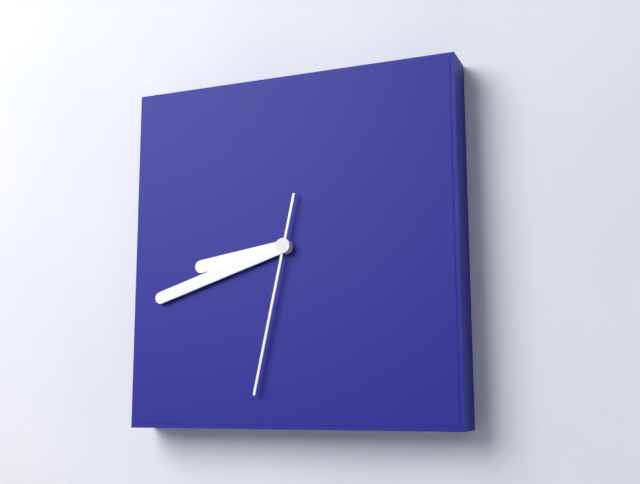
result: 8.42.32
